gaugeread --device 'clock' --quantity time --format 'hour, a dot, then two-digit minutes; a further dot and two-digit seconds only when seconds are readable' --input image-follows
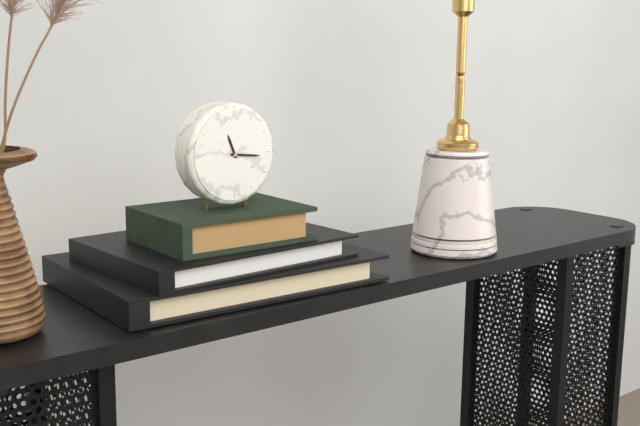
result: 11.16
